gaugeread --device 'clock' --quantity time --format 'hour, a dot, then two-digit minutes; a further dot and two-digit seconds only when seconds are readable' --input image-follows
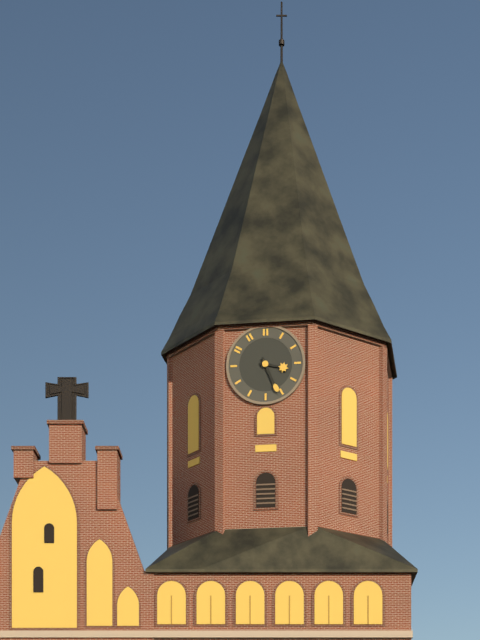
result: 3.26
